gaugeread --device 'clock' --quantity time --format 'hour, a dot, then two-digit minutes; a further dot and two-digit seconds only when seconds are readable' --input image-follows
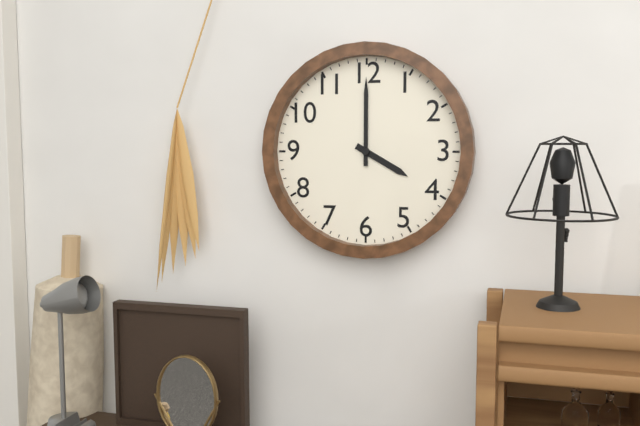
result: 4.00
